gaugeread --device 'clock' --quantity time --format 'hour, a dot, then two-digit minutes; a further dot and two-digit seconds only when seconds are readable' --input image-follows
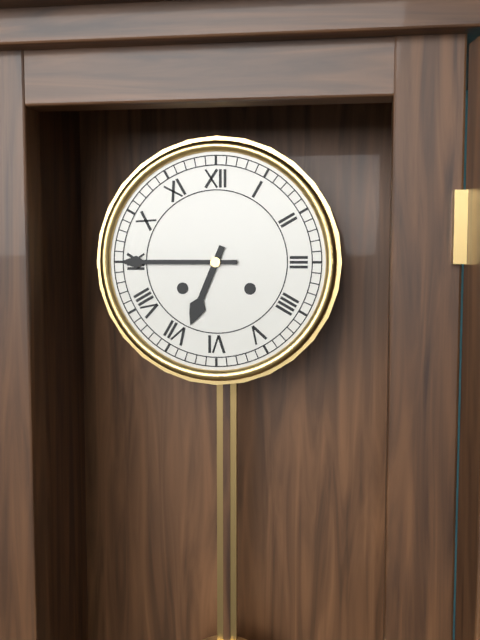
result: 6.45
